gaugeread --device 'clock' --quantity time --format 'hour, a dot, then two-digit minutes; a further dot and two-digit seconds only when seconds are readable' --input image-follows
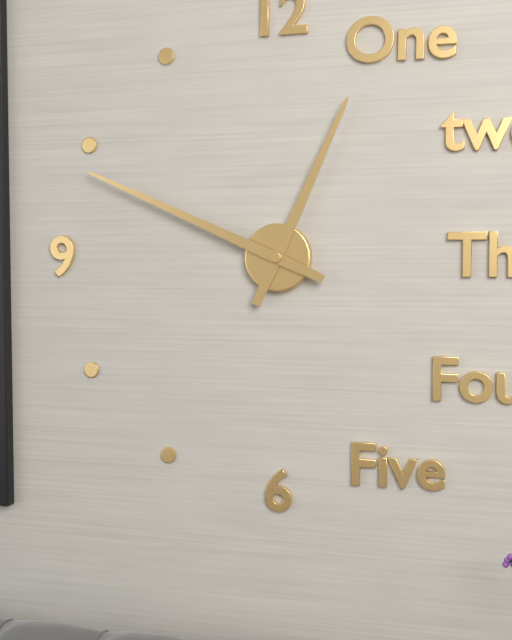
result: 12.49
